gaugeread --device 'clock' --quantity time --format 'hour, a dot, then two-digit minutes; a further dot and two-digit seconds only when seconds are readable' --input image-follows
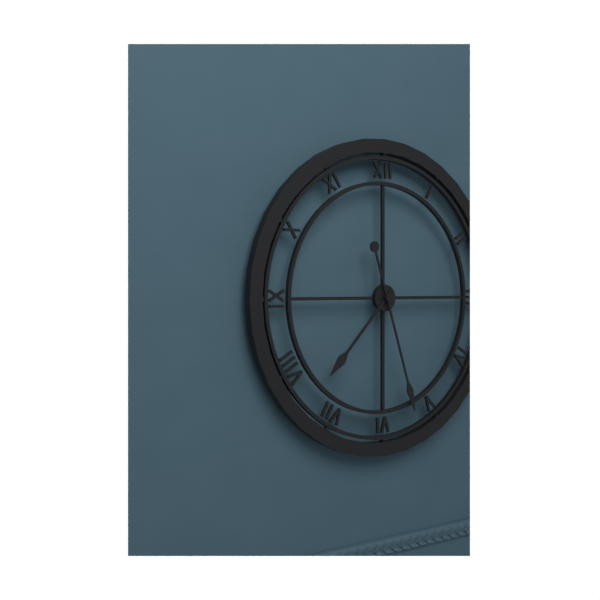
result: 7.27
